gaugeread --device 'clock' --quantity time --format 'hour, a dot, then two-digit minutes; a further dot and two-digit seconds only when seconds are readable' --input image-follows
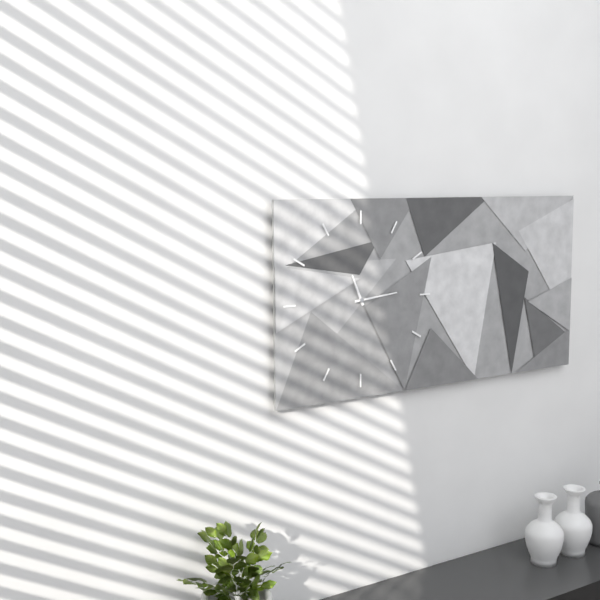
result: 11.14
